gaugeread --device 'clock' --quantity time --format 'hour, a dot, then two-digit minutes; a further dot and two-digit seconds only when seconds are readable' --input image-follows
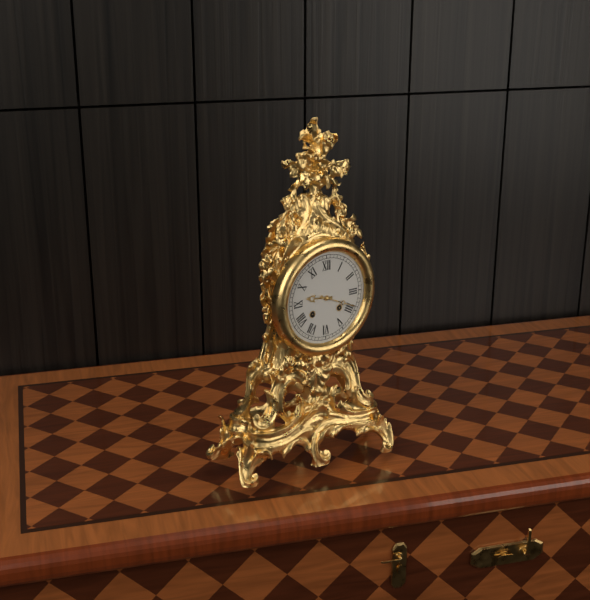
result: 9.19
